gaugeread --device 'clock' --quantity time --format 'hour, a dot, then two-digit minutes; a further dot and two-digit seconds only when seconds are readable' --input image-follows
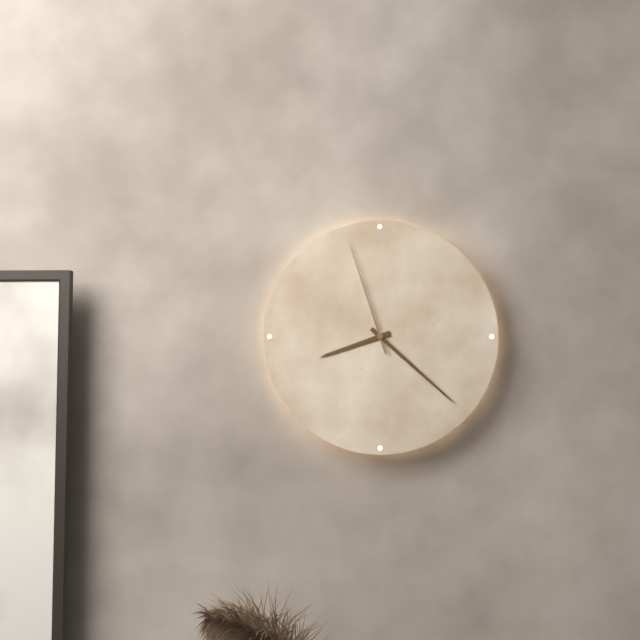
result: 8.22.57
